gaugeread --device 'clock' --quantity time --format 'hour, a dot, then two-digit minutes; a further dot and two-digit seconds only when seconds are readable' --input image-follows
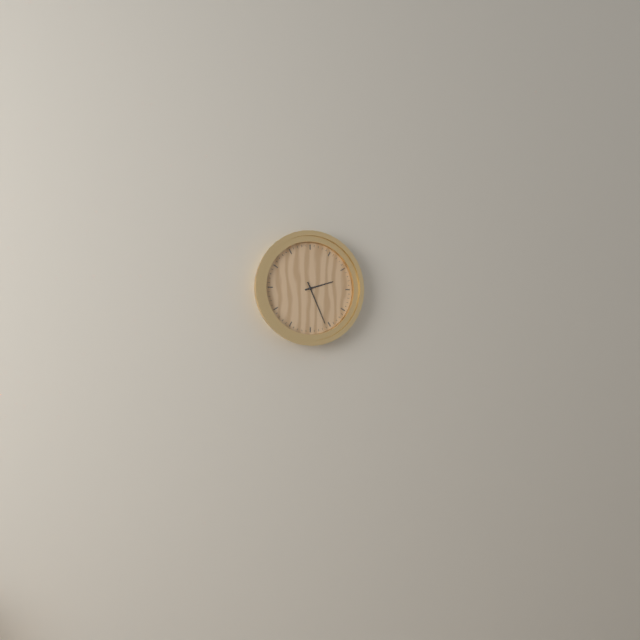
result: 2.26
